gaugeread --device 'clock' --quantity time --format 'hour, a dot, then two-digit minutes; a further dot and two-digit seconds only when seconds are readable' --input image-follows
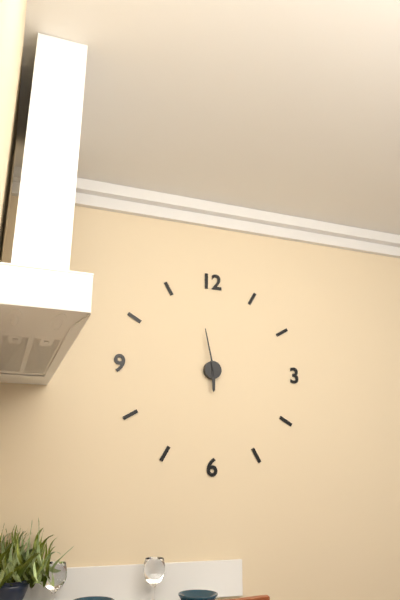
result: 5.58
